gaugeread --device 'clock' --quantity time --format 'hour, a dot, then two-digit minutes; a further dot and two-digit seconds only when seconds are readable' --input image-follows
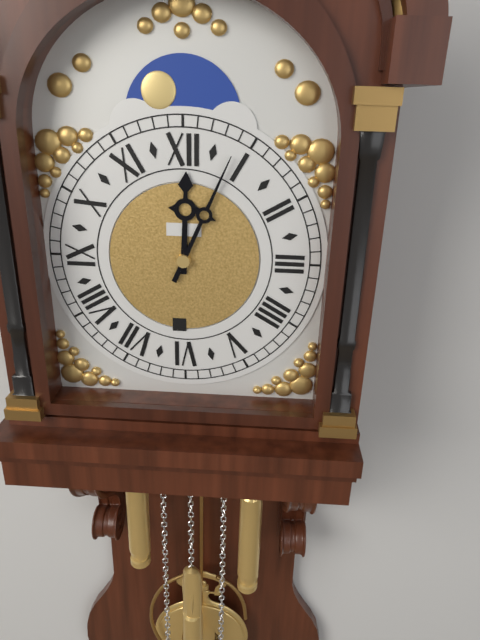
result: 12.04
